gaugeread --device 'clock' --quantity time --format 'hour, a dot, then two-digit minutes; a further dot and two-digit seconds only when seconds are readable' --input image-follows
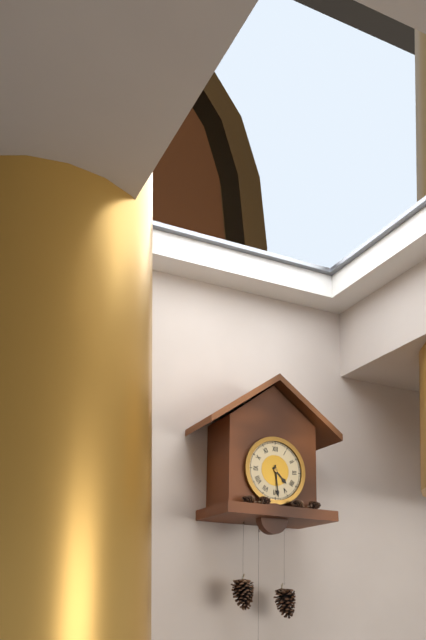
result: 4.29
